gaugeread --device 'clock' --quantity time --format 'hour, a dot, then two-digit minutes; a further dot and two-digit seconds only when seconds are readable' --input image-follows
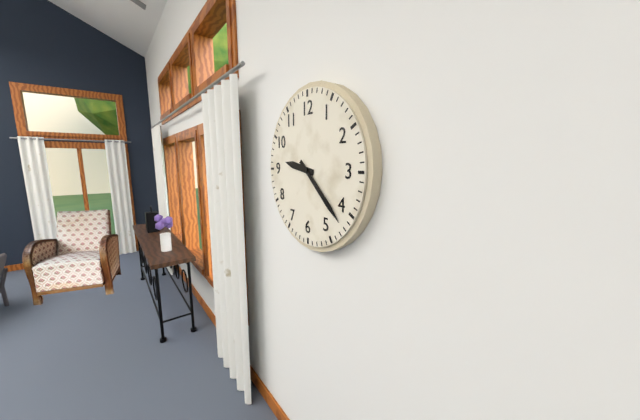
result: 9.22
